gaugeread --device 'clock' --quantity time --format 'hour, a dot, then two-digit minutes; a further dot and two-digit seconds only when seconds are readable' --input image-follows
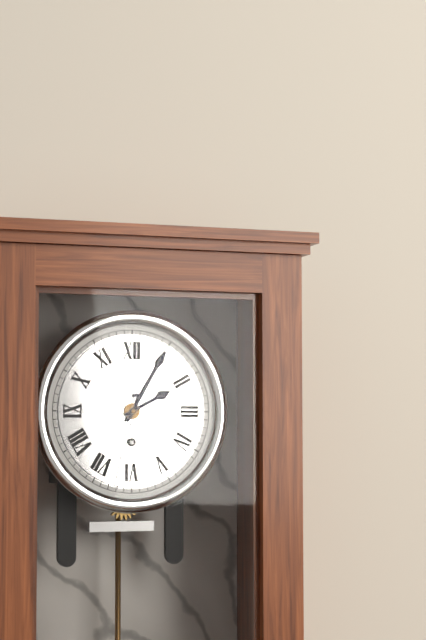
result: 2.05.32
